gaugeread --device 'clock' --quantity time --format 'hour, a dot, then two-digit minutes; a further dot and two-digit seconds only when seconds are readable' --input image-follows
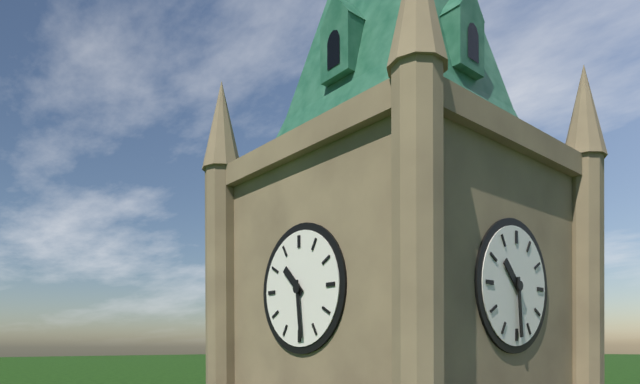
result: 10.29
